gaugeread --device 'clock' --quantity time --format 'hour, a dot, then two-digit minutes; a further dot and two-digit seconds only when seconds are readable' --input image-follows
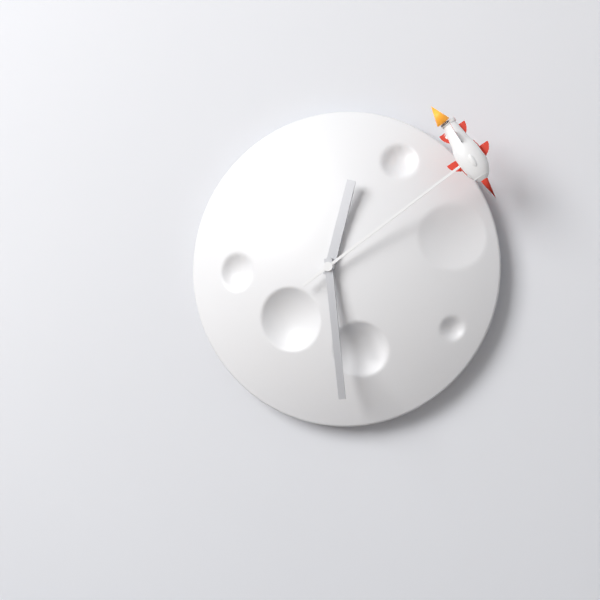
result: 12.29.09
